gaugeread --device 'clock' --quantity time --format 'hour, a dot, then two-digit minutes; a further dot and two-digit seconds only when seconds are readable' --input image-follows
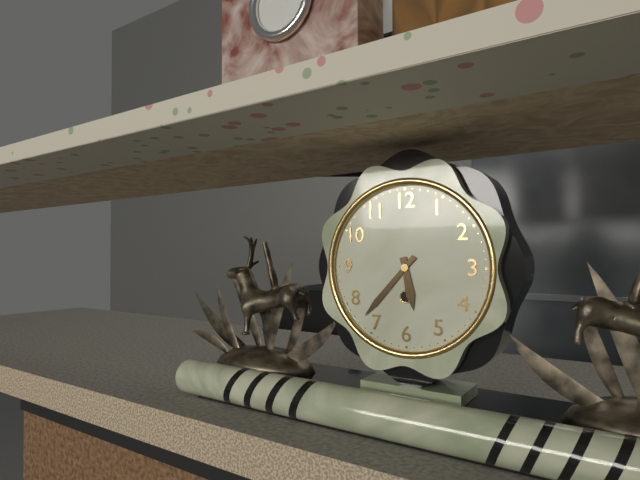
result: 5.37
